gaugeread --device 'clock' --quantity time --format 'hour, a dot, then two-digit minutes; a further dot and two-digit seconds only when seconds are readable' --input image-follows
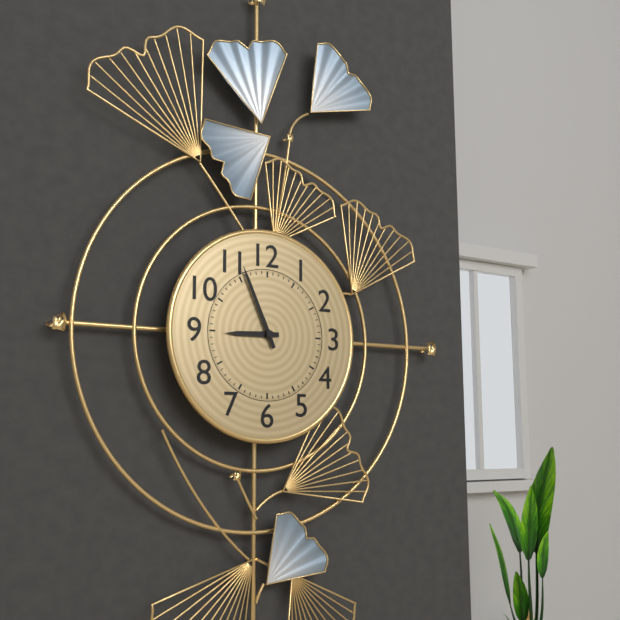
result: 8.56
